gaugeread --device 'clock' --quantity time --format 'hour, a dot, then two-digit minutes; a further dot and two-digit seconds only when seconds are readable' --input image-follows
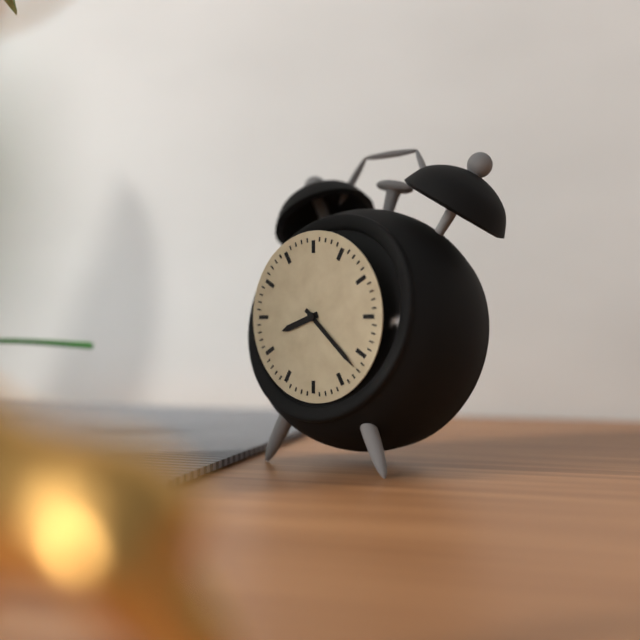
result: 8.22
